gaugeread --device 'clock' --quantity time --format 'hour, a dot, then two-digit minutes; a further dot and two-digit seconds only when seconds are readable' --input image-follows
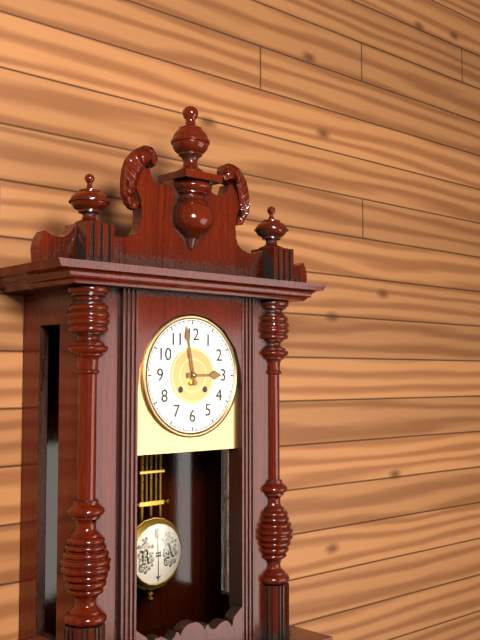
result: 2.58
